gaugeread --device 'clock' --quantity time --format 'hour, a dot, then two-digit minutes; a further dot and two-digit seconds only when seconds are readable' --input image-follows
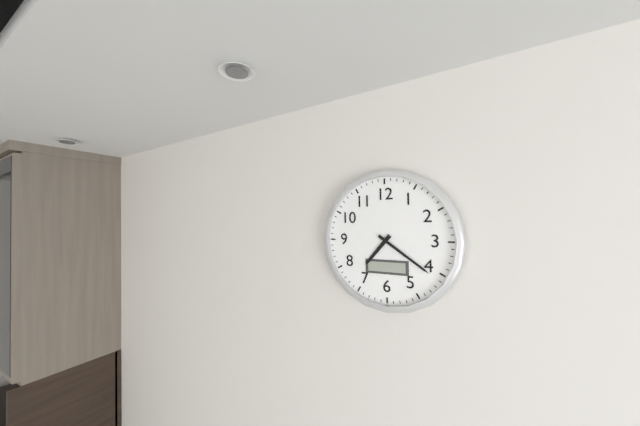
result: 7.21
